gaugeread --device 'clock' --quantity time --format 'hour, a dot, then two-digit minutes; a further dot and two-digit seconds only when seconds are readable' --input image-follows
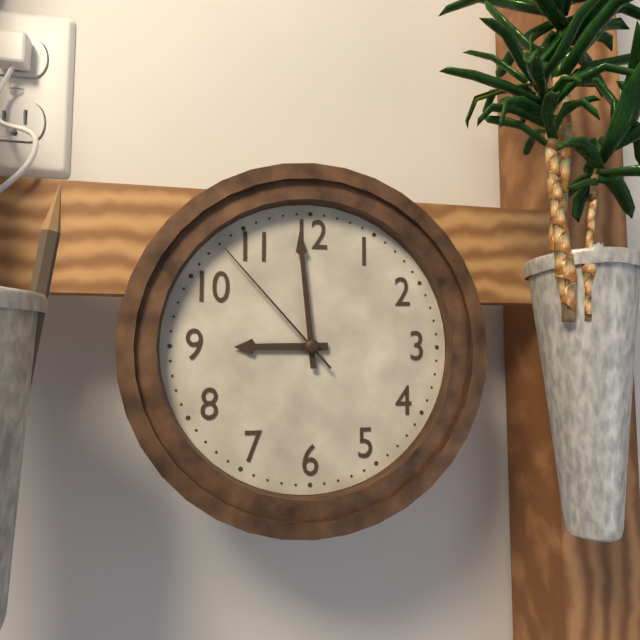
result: 8.59.53
